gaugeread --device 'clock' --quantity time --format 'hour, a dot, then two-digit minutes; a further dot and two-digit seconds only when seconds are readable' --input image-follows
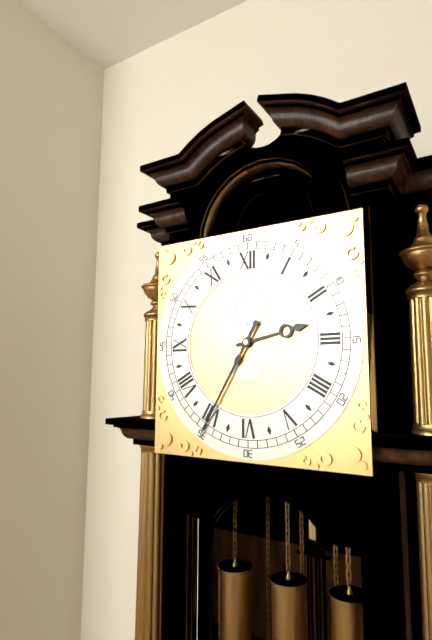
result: 2.35
